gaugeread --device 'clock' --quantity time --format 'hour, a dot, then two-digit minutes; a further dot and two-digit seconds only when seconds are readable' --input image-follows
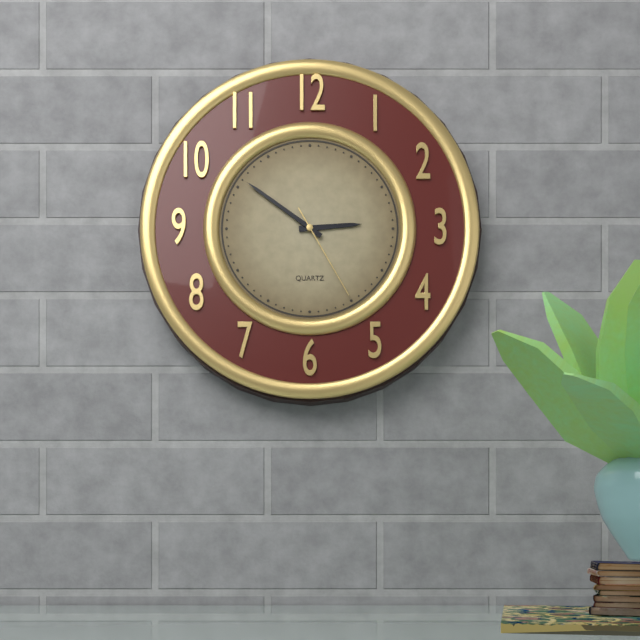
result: 2.51.25
